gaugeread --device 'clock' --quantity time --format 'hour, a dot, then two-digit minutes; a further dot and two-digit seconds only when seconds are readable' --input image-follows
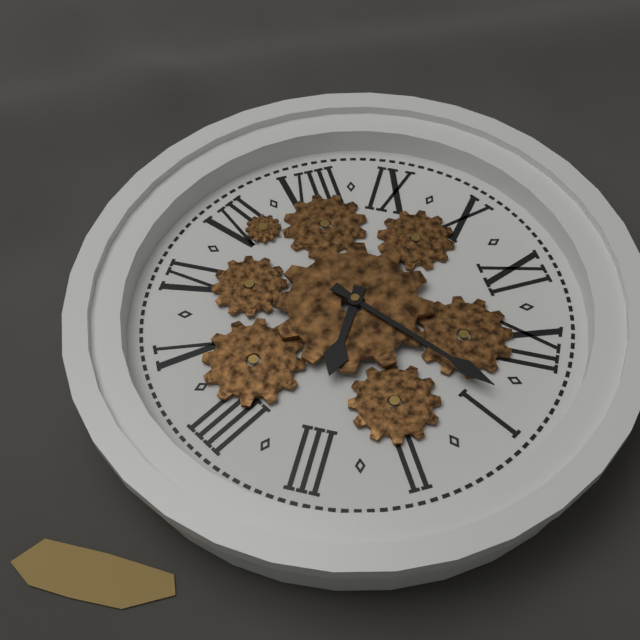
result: 3.04
